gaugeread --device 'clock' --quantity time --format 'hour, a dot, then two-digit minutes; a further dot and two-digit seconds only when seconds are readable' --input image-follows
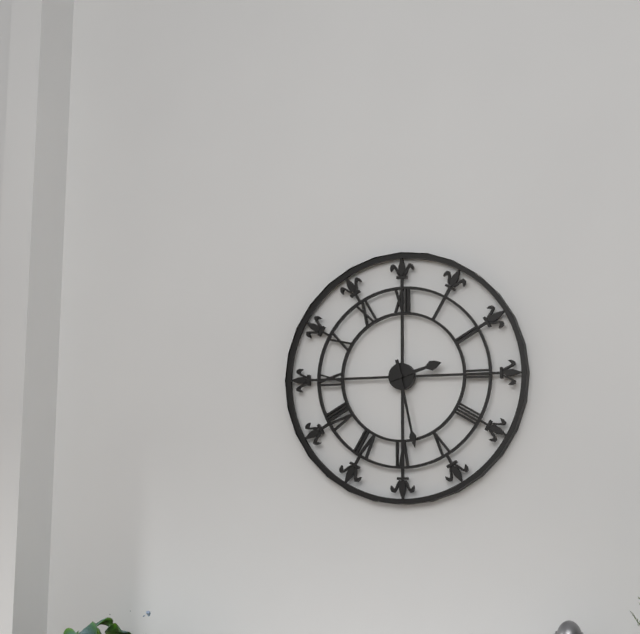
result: 2.28
